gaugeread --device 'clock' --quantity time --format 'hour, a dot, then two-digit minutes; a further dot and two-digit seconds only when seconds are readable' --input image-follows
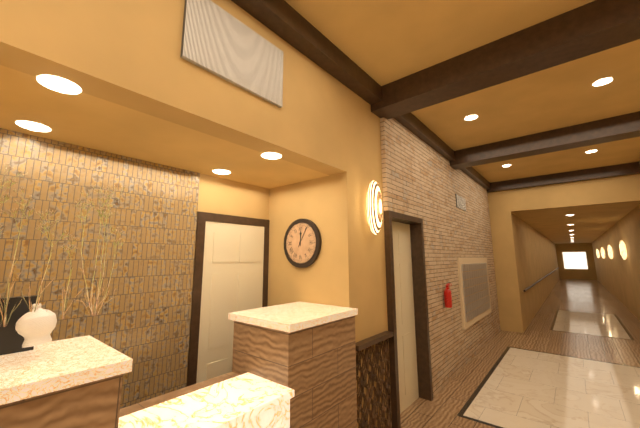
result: 12.05
